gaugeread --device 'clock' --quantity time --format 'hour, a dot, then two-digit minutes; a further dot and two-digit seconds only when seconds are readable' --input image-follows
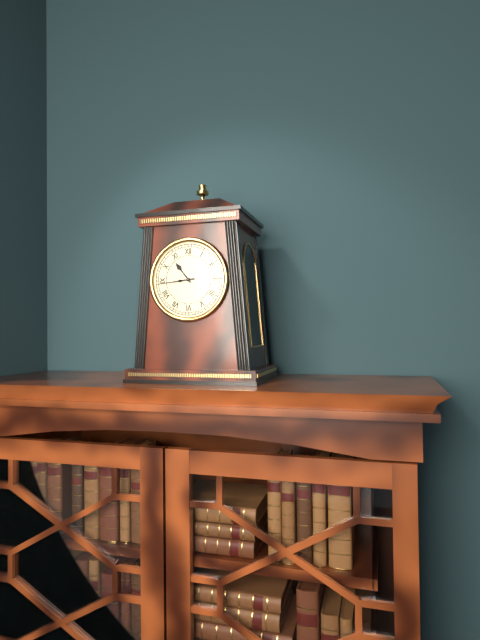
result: 10.44
